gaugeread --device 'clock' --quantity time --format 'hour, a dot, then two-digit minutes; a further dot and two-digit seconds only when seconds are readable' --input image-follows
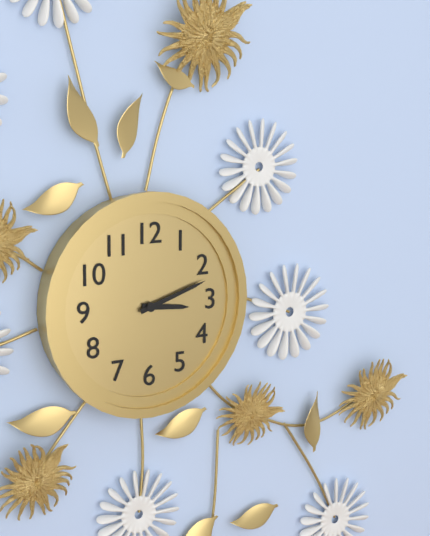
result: 3.12
